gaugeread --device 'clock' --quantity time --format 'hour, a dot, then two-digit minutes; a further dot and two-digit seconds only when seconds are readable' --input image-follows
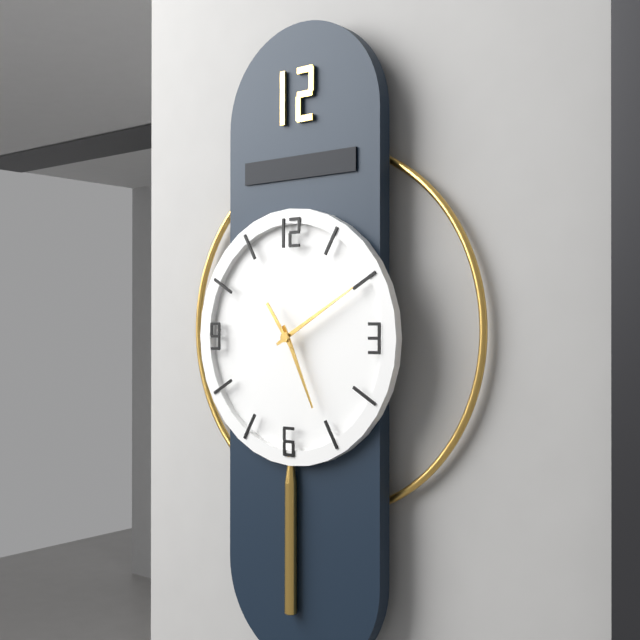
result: 5.10
